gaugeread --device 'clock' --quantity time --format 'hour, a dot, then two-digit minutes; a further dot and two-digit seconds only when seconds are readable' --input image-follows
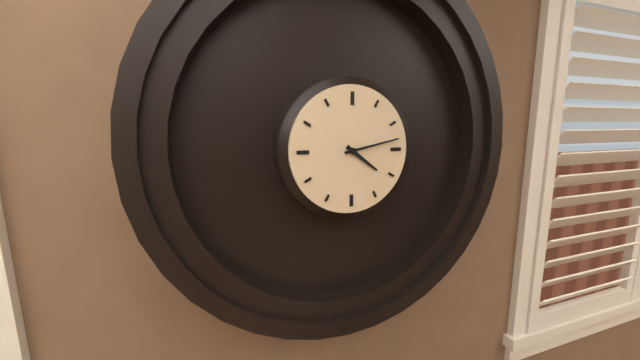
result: 4.13
